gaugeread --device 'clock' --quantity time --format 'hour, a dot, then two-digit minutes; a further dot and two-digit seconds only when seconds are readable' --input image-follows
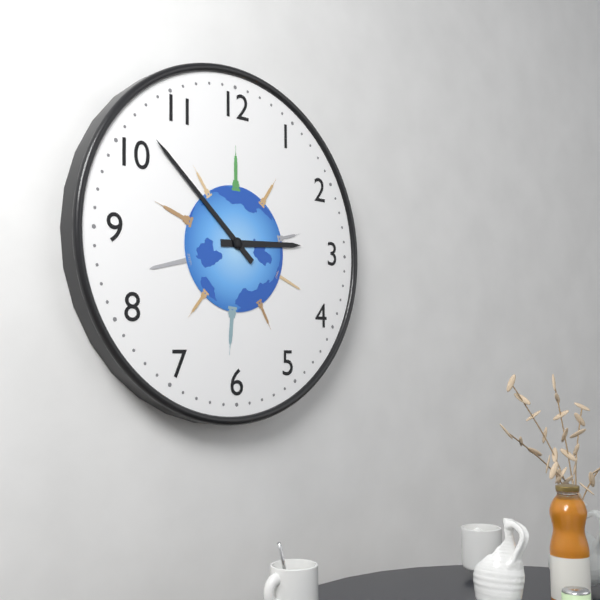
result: 2.52
